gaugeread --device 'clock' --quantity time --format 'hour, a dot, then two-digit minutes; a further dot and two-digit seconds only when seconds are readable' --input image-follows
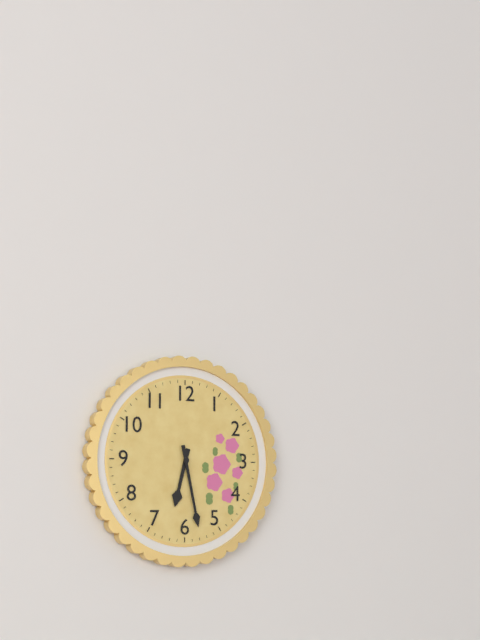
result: 6.28
